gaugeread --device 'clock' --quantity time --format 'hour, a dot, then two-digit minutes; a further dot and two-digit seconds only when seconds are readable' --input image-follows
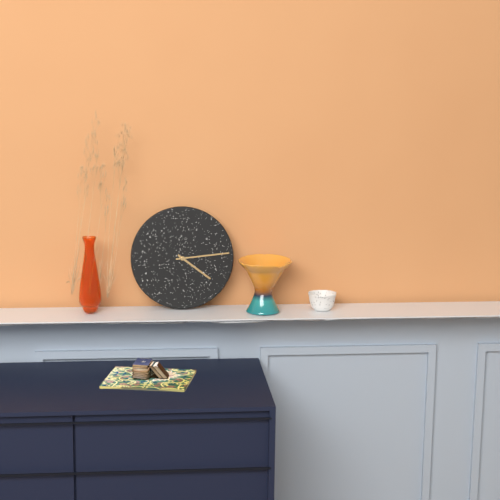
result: 4.14
